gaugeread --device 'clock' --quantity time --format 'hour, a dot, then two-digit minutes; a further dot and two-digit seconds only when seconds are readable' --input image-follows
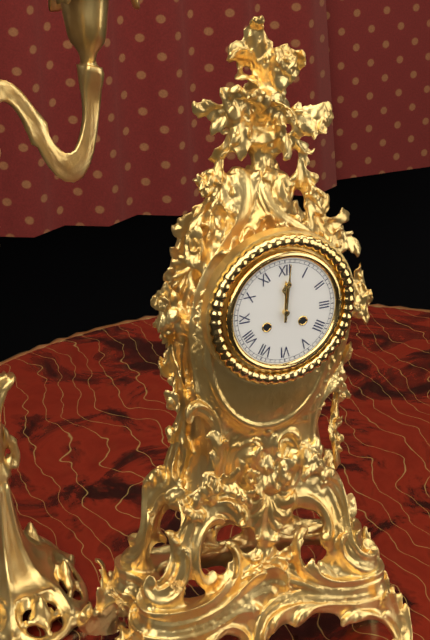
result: 12.01
